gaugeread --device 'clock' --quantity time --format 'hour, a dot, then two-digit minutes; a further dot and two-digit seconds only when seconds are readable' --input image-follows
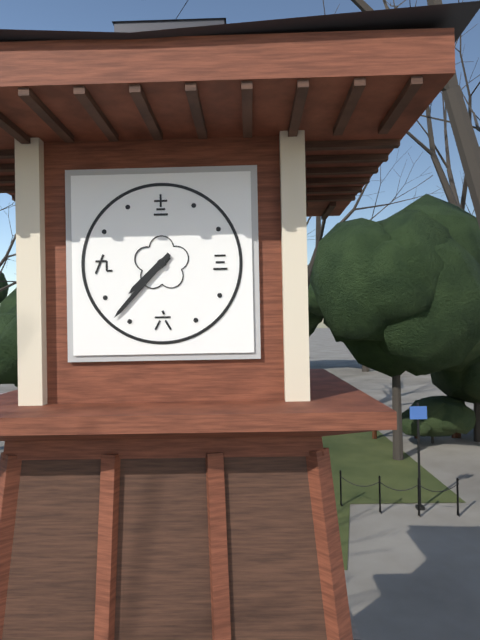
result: 7.37
